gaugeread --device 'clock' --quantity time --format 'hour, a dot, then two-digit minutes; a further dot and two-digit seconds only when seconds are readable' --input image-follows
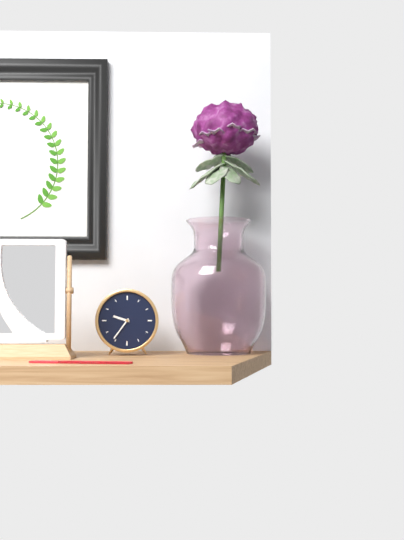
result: 9.36
